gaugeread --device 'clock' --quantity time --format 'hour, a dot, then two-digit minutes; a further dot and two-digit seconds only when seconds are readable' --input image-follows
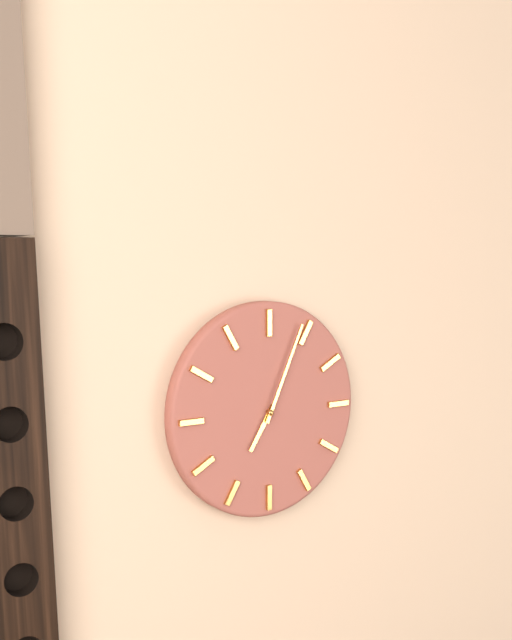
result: 7.04
